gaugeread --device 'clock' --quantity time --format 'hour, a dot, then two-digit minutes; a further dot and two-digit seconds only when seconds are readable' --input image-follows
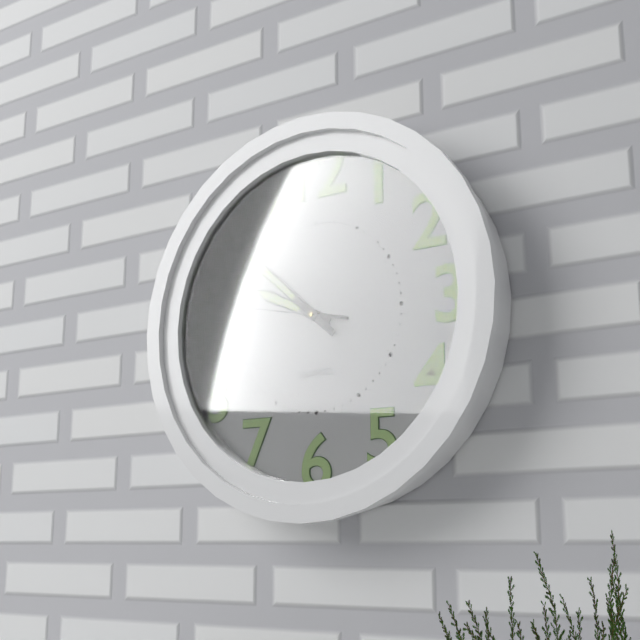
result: 9.52.47
